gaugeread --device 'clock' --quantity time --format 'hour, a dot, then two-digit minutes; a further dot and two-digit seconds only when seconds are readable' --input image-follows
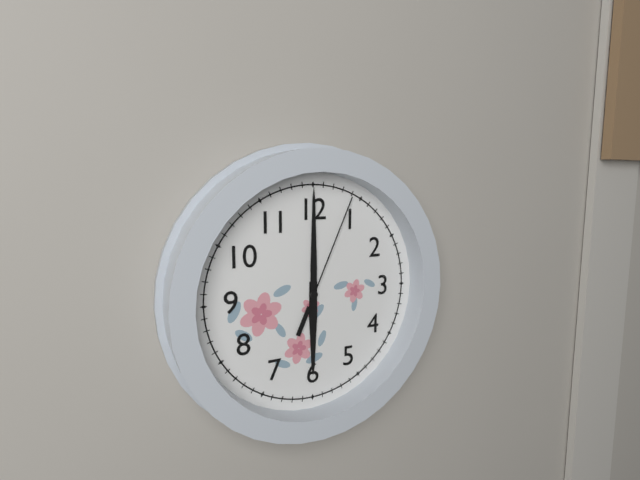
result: 6.00.04
